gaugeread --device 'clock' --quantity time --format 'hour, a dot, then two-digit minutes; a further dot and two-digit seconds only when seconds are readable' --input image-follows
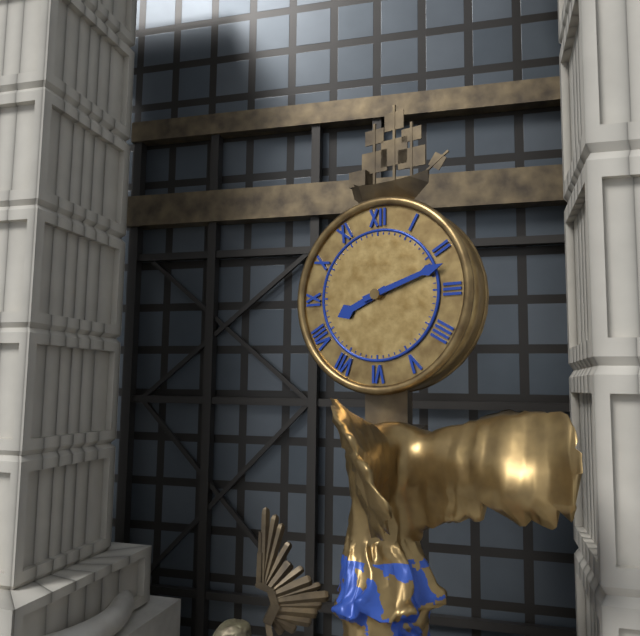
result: 8.12
